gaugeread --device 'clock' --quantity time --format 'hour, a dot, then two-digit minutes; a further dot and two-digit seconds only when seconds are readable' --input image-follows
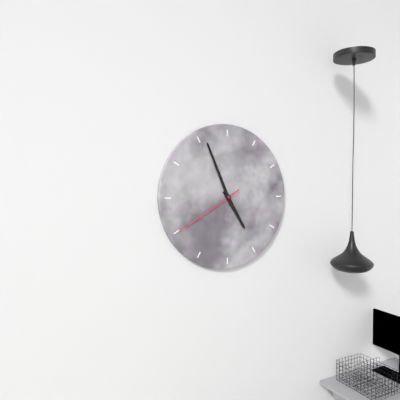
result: 4.56.40
